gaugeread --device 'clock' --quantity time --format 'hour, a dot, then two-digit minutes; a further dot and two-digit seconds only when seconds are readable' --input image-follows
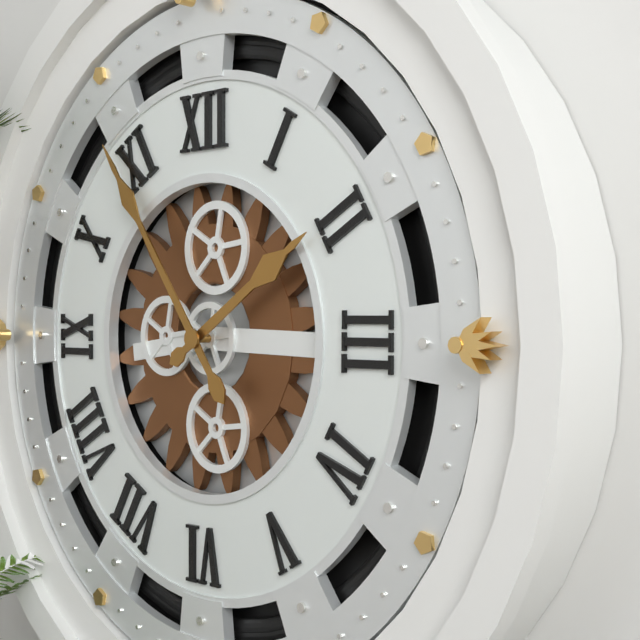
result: 1.54
